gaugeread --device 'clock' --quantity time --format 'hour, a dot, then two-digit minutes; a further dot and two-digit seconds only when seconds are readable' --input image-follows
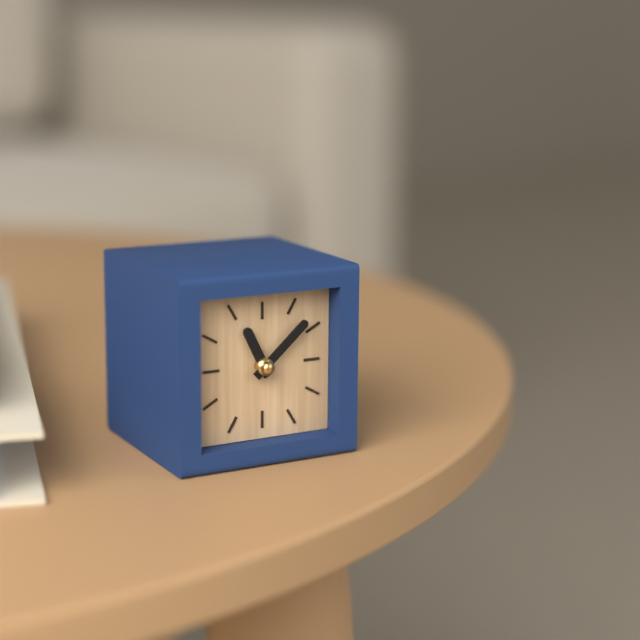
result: 11.08
